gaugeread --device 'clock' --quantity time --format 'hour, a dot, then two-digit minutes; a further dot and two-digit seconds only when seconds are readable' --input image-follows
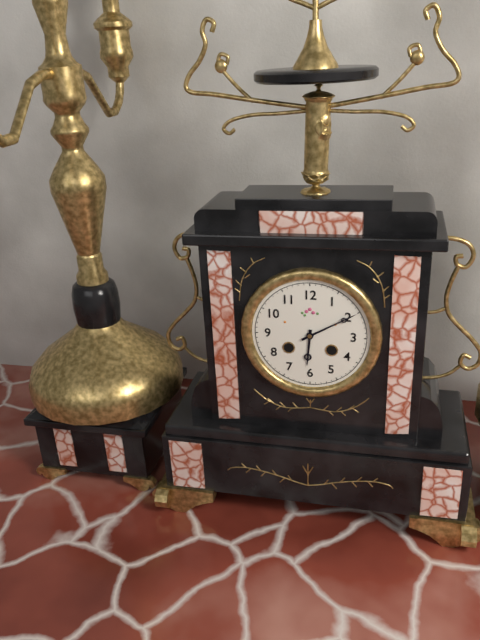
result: 6.10
